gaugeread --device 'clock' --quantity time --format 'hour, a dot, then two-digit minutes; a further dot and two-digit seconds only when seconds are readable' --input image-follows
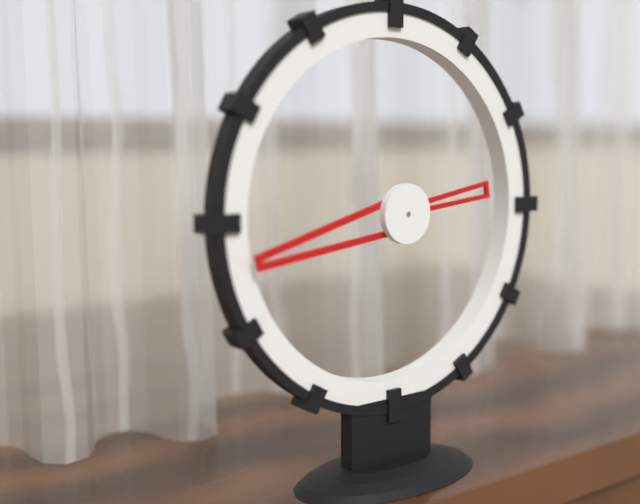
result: 2.43
